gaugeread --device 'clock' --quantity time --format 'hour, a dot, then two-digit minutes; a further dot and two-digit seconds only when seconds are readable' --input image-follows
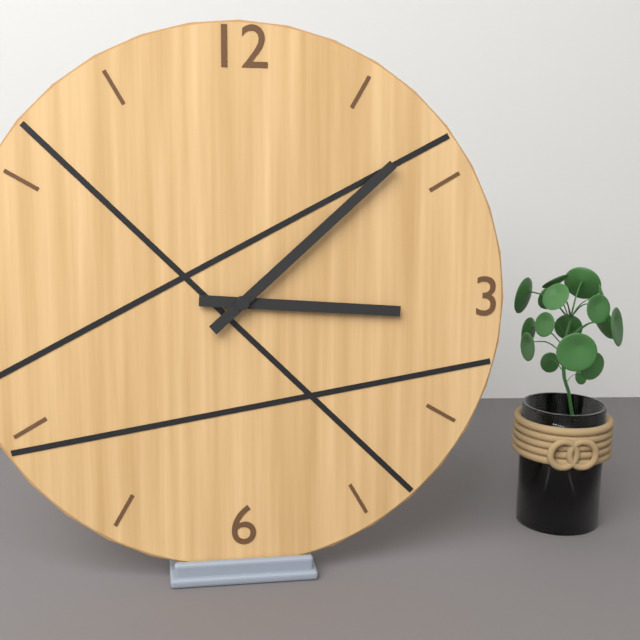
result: 3.08
